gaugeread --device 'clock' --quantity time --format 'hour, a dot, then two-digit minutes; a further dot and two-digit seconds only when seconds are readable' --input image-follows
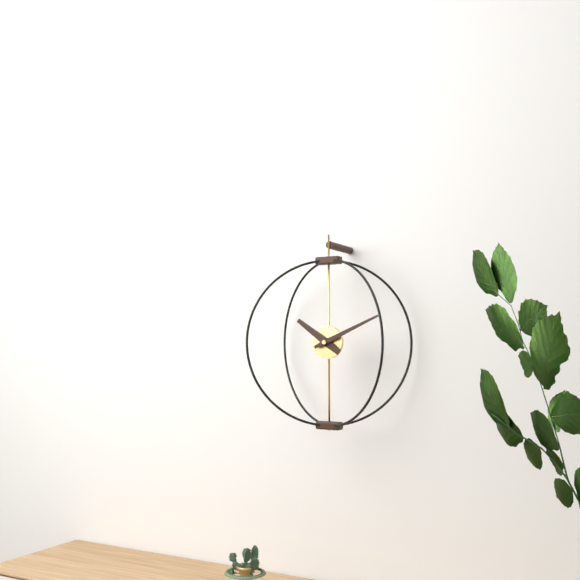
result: 10.11
